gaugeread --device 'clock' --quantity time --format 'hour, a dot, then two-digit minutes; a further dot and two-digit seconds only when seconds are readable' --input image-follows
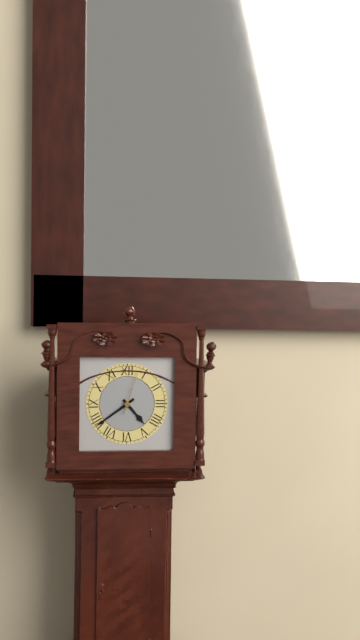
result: 4.39
